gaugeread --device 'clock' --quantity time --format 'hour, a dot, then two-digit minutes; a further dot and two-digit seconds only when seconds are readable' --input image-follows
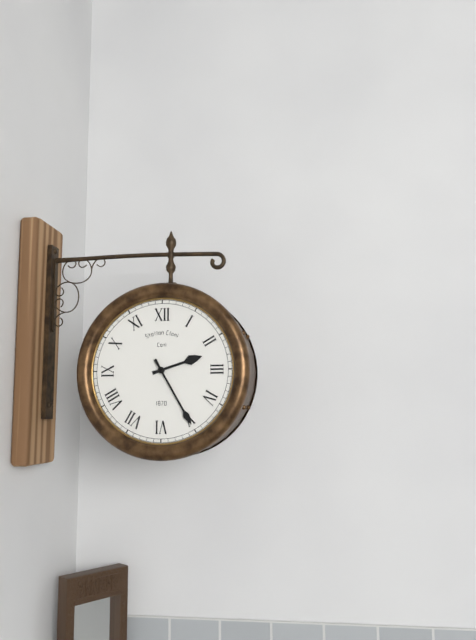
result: 2.25
